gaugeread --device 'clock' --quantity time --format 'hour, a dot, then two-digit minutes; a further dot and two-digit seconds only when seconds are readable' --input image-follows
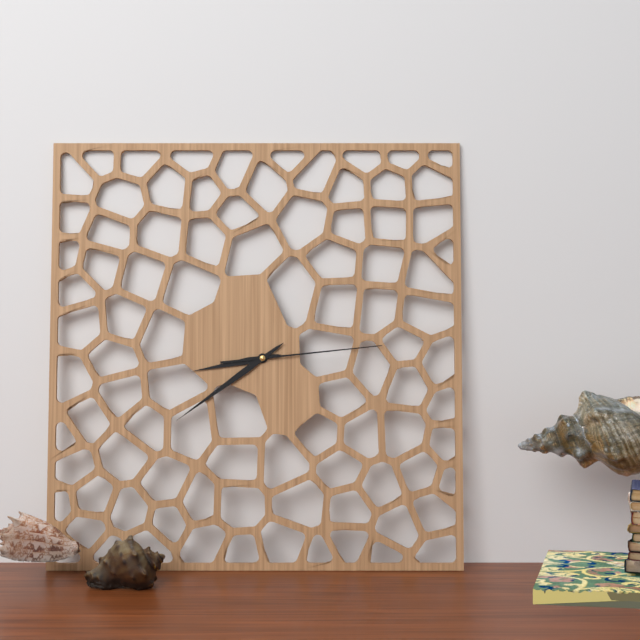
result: 8.39.14
